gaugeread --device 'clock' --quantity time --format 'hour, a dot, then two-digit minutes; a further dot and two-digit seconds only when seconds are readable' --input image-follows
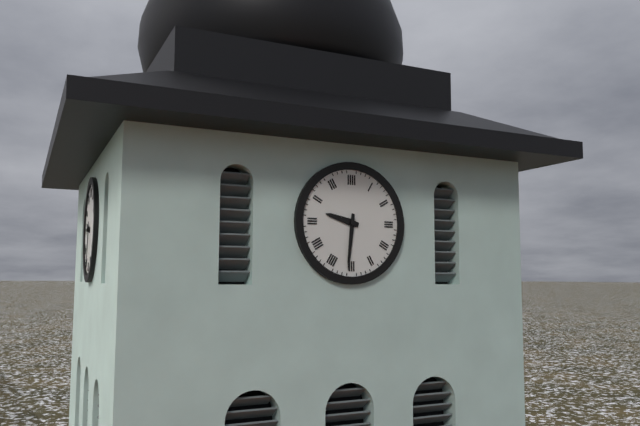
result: 9.31
